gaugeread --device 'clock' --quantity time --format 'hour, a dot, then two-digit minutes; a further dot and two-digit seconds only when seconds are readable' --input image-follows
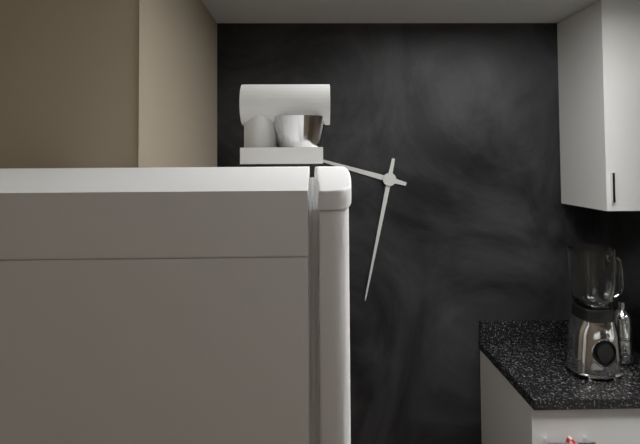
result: 9.32
